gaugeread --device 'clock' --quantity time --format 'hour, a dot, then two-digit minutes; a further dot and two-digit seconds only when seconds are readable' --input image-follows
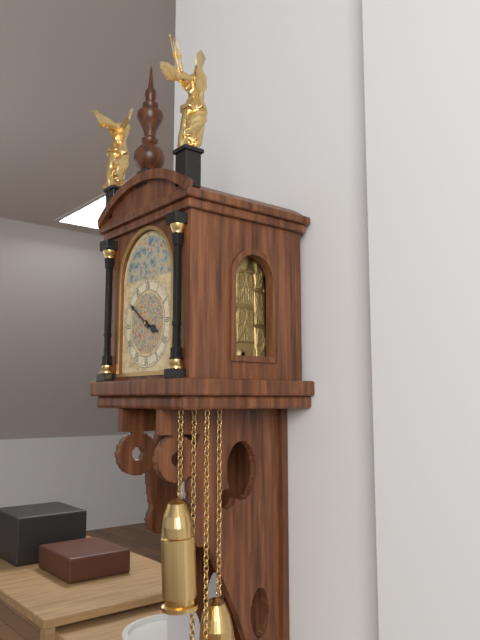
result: 3.51
